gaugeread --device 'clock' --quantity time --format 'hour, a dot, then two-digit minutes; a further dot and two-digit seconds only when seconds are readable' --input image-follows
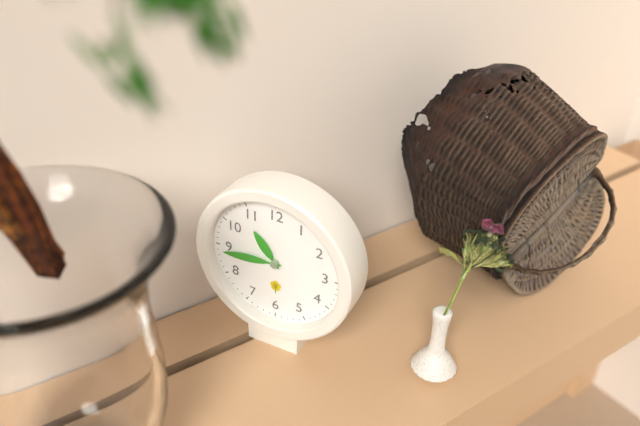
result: 10.44
